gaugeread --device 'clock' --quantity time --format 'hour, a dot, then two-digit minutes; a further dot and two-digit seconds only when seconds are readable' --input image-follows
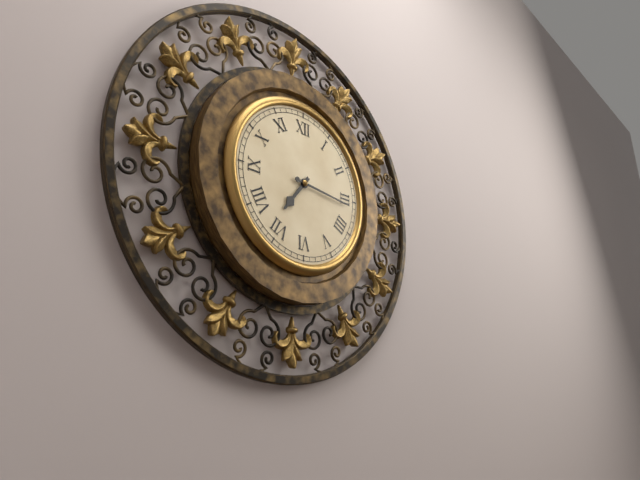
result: 7.16
